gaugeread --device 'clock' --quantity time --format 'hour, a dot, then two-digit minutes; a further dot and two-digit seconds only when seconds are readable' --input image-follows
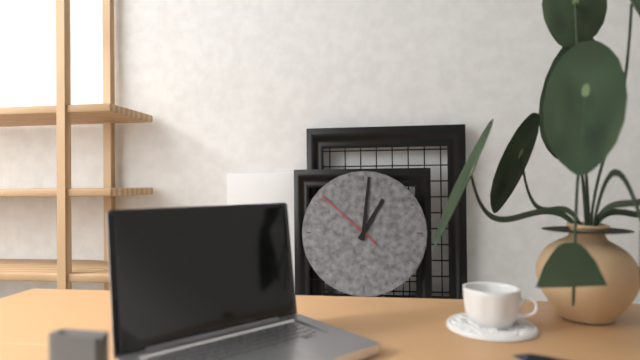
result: 1.01.52
